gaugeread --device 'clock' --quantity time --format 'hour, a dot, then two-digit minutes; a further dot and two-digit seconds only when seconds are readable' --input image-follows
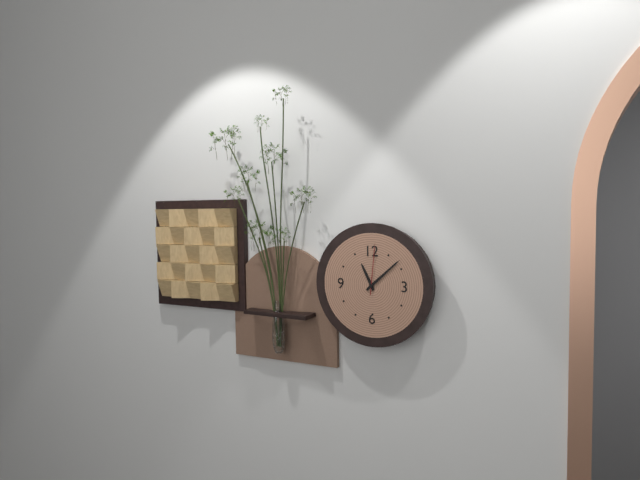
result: 11.08.01
